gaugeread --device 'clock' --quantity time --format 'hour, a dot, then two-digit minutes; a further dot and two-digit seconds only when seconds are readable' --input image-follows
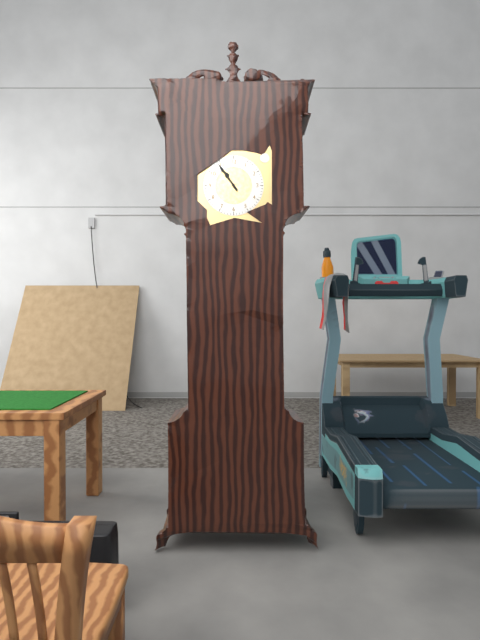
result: 10.54
